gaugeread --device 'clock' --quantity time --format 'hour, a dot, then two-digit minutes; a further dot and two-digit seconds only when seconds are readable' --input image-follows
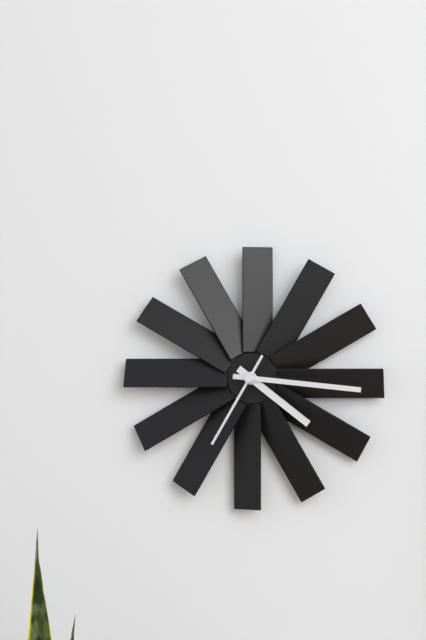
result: 4.16.35
